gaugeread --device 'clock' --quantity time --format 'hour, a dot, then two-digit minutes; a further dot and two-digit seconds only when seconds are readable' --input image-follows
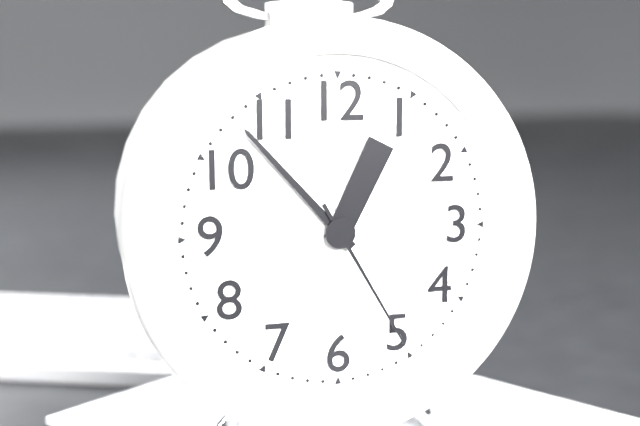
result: 12.53.25
